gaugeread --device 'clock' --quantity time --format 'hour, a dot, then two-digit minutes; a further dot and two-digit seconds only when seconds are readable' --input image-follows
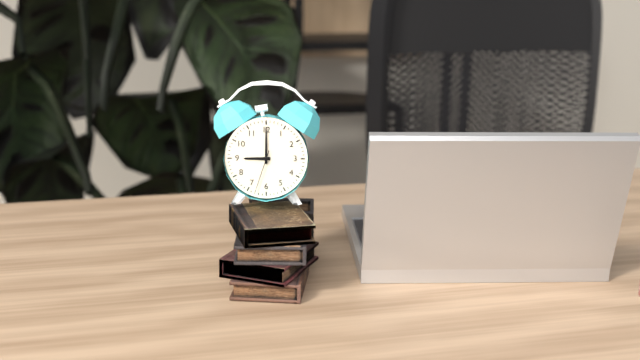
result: 9.00
